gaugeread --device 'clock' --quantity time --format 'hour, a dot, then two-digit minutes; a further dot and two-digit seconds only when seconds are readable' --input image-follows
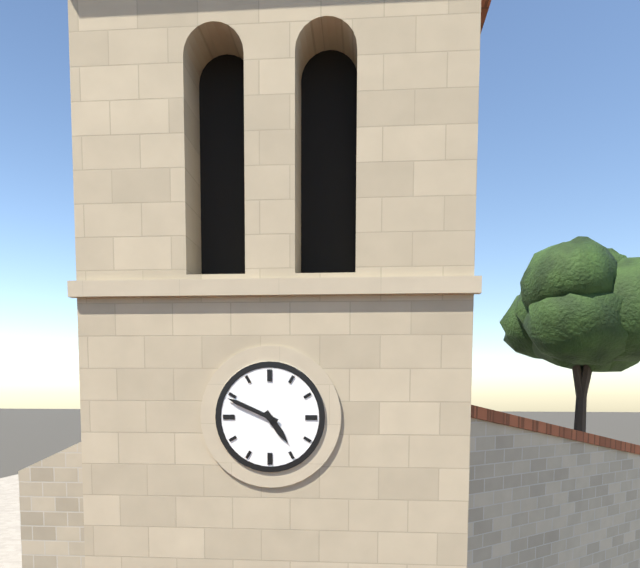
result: 4.49
